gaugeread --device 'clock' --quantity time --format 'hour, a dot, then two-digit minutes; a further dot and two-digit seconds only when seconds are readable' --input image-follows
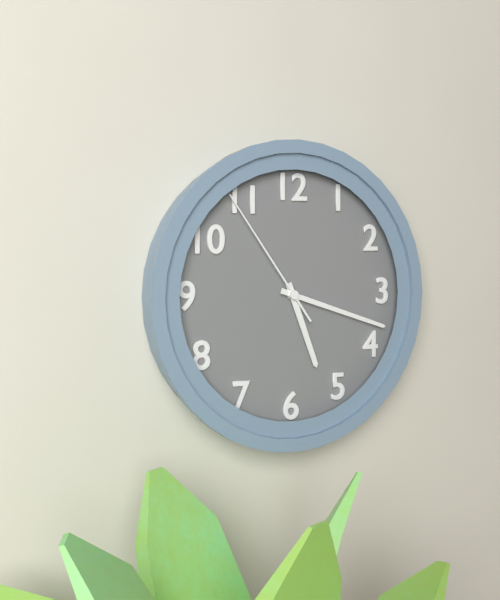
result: 5.18.54
